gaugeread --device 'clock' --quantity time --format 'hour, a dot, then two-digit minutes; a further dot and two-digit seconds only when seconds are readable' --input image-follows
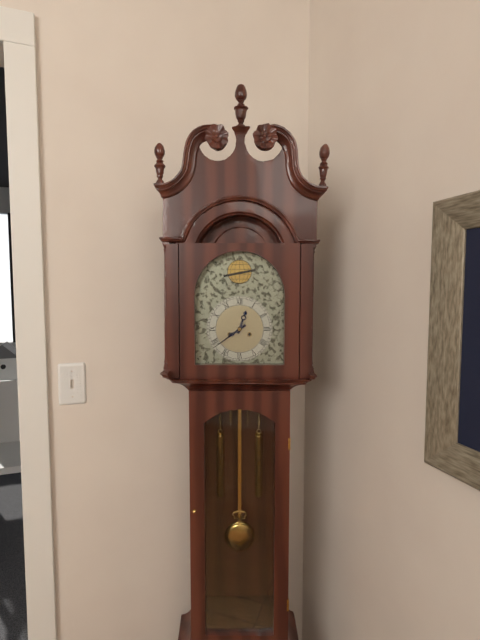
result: 12.39
